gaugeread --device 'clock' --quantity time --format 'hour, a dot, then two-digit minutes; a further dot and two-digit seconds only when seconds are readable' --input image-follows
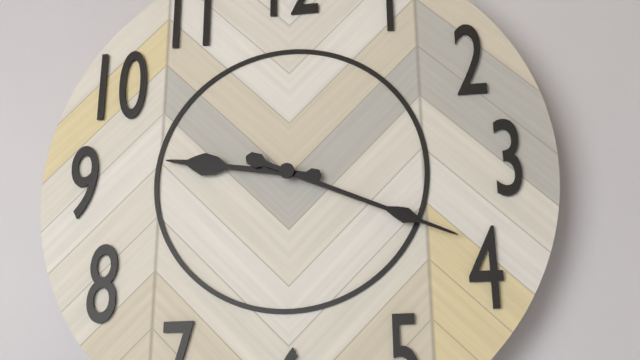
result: 9.19
